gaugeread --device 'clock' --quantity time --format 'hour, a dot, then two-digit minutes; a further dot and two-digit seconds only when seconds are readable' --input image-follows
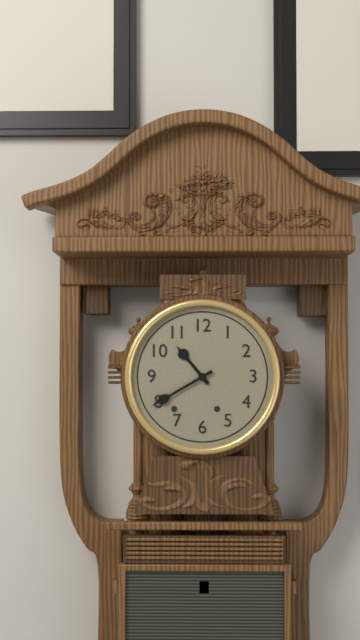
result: 10.40
